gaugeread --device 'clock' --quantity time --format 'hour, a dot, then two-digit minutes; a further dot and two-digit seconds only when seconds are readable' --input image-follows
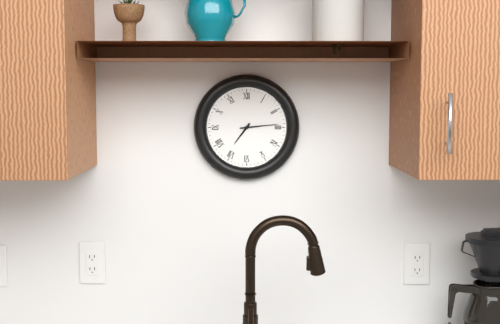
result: 7.14
